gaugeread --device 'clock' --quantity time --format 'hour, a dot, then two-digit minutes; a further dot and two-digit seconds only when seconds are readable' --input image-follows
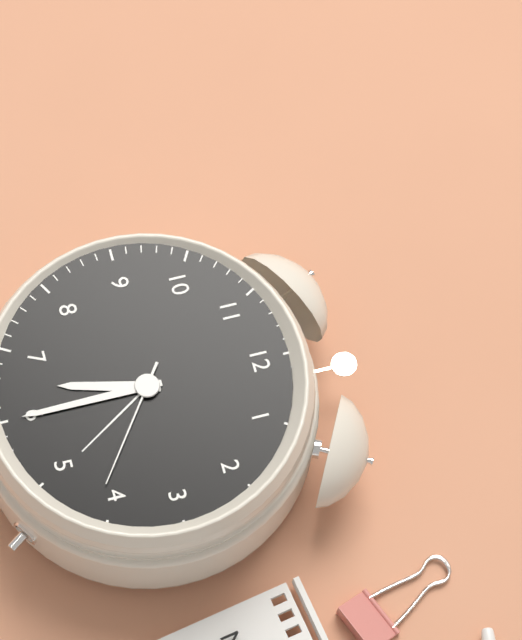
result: 6.30.21
